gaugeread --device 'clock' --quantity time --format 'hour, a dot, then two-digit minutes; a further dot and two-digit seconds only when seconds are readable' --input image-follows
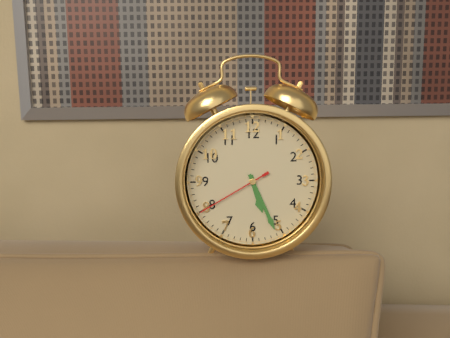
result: 5.26.40
